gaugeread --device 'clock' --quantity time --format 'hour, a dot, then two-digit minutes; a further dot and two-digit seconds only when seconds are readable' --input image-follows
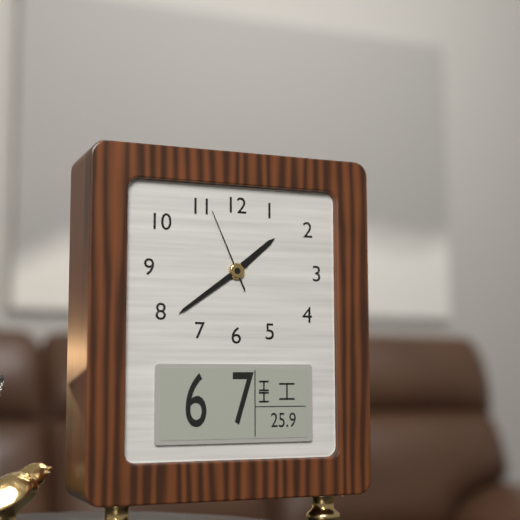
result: 1.39.56
